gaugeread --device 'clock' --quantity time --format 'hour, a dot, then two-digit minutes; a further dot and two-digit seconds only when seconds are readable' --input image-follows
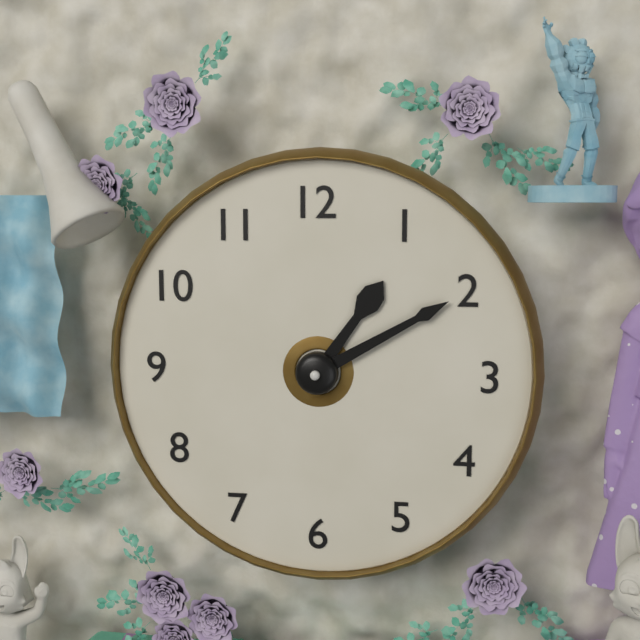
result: 1.10
